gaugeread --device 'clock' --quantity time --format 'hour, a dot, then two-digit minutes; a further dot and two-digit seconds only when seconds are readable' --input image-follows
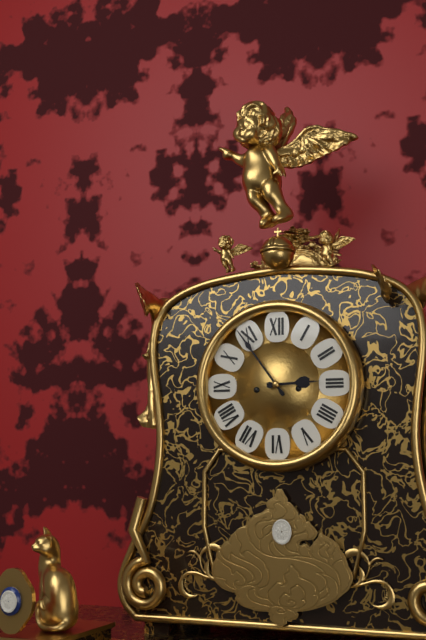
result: 2.54
